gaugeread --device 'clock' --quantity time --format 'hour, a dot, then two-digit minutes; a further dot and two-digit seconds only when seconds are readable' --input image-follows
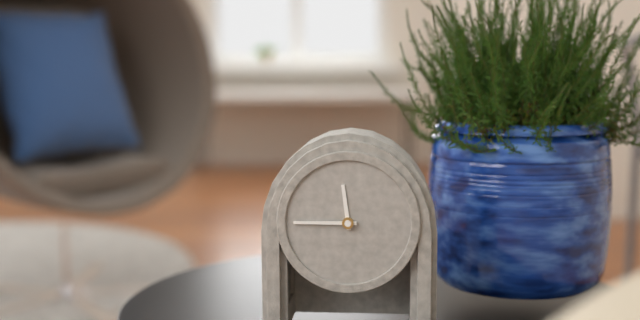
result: 11.45
